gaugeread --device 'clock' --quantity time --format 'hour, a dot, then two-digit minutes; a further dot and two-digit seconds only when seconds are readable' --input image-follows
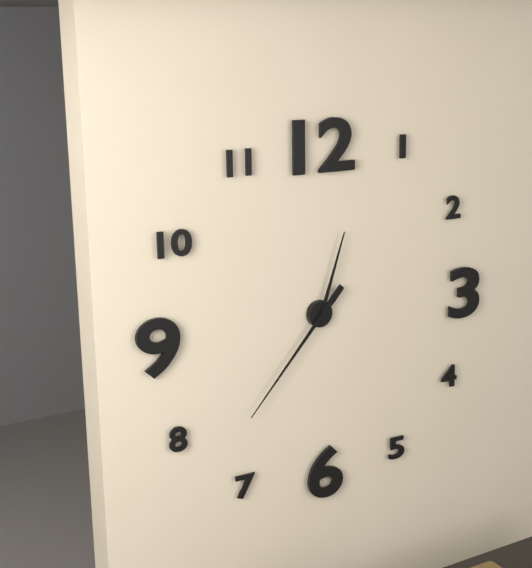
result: 12.37
